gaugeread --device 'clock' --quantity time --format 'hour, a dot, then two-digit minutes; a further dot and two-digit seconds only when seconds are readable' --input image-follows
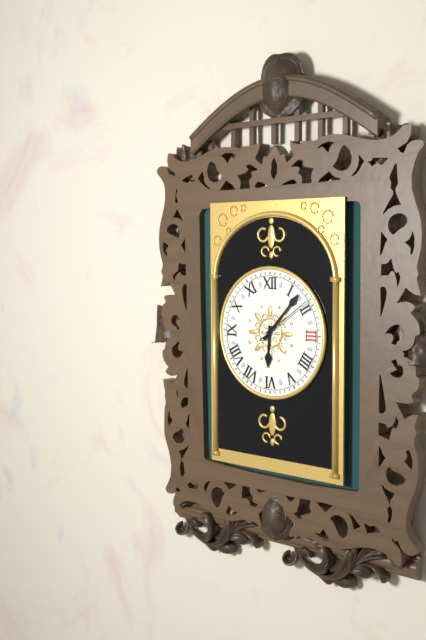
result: 6.07.09
